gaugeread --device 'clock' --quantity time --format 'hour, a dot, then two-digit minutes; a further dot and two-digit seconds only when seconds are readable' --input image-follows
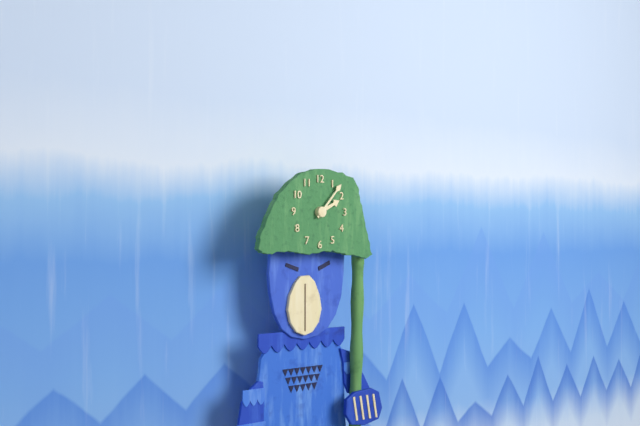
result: 2.07
